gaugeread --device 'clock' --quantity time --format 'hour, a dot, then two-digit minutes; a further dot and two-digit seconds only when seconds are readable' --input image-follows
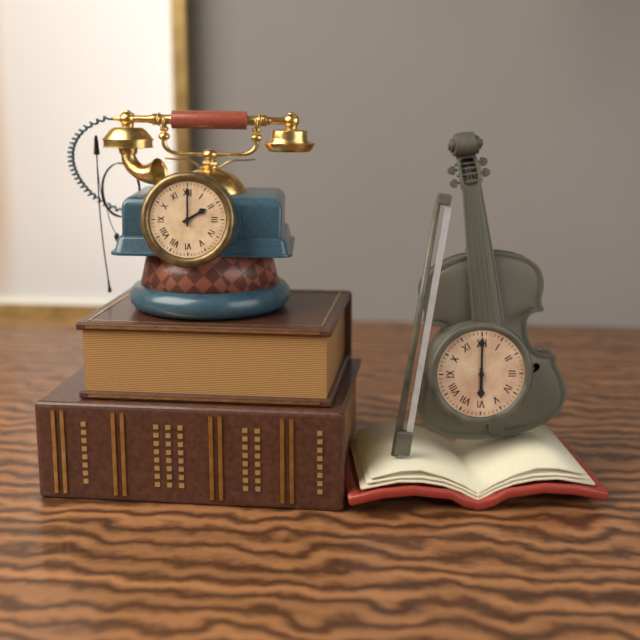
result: 2.00
